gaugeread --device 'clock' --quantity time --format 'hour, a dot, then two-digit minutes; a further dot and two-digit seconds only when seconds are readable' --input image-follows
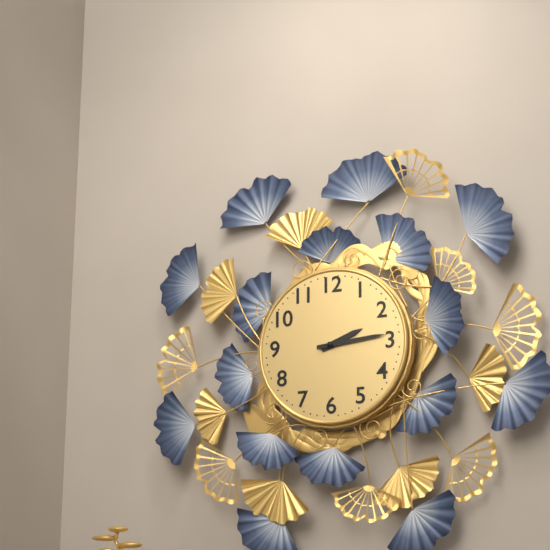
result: 2.14
